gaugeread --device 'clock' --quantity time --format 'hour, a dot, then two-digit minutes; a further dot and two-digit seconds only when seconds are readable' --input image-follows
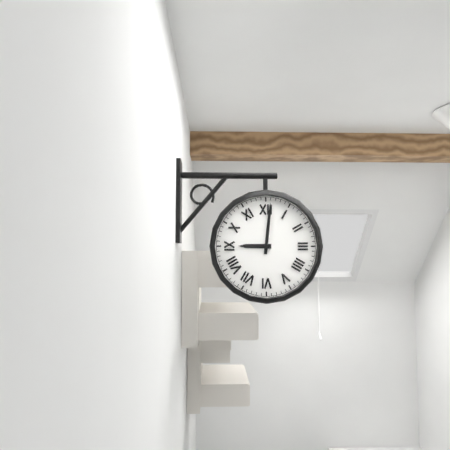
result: 9.01
